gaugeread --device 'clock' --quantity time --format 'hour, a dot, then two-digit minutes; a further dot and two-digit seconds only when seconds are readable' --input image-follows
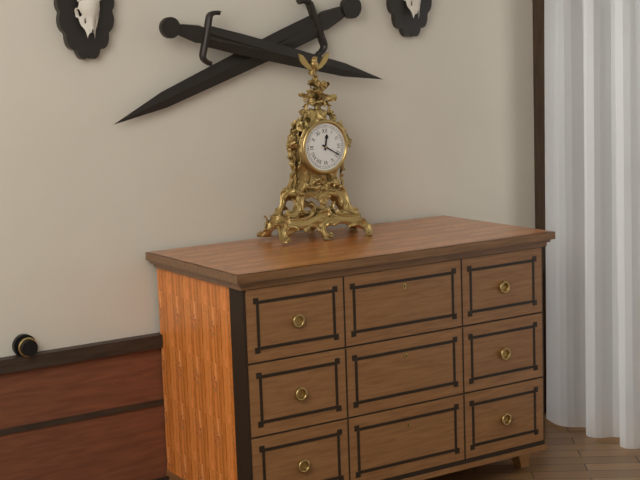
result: 12.20
